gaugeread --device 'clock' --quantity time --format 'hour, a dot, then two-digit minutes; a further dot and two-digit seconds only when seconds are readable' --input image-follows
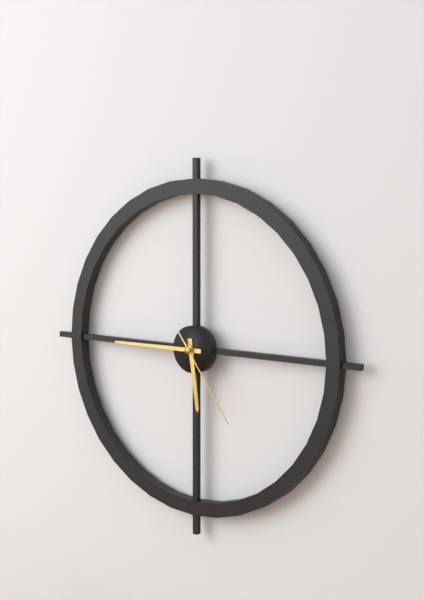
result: 5.45.24
